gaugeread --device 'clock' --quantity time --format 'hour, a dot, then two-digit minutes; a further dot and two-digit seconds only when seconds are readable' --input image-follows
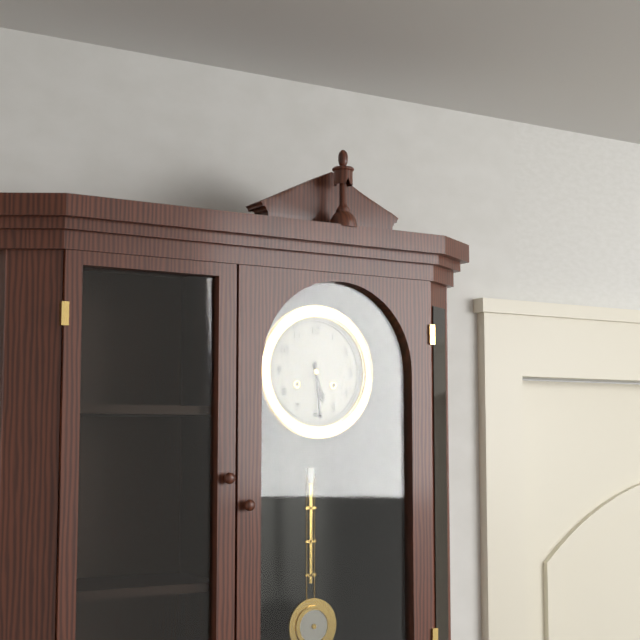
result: 5.29
